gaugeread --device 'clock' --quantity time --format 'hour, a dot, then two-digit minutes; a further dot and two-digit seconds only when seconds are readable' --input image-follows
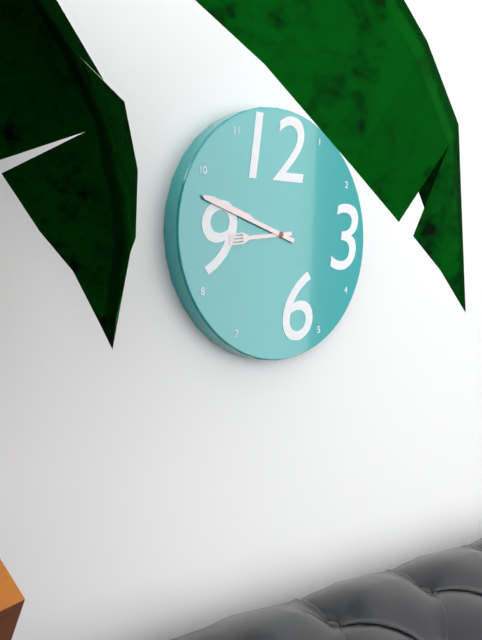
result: 8.48
